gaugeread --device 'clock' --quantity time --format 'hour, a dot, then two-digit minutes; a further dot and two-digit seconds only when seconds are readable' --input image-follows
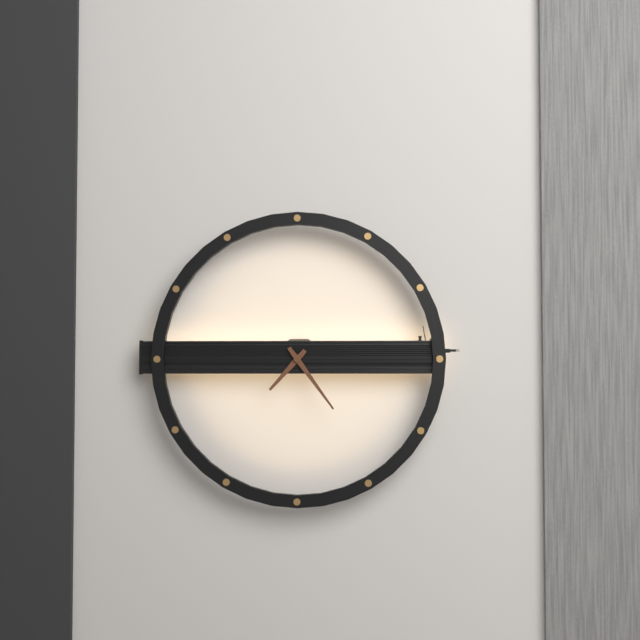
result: 7.24
